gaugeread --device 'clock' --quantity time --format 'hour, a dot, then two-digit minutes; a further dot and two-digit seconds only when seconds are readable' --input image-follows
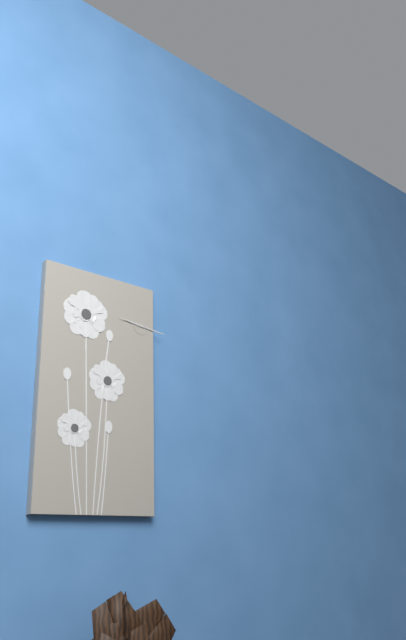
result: 9.16
